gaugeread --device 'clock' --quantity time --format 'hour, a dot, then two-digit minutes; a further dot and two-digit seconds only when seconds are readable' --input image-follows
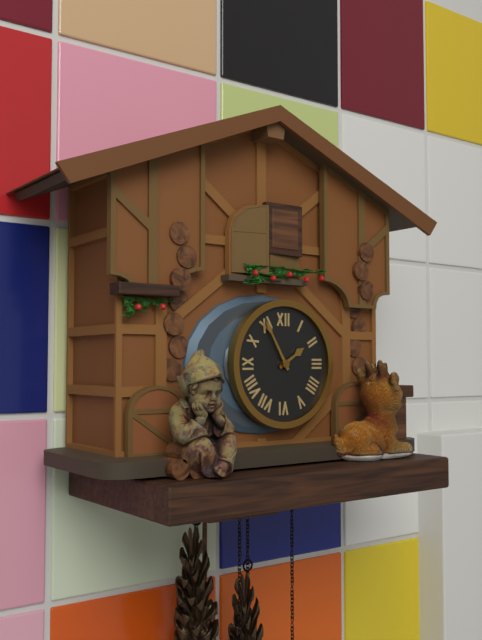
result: 1.55
